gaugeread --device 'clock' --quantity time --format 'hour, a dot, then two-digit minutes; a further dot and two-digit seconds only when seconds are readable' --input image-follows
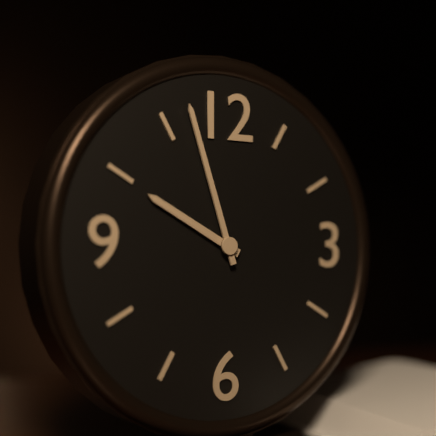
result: 9.57
